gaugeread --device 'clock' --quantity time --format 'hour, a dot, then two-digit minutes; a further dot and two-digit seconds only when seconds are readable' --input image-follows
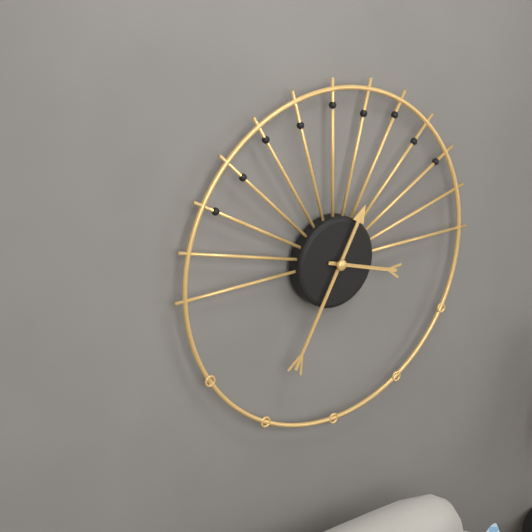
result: 3.35
